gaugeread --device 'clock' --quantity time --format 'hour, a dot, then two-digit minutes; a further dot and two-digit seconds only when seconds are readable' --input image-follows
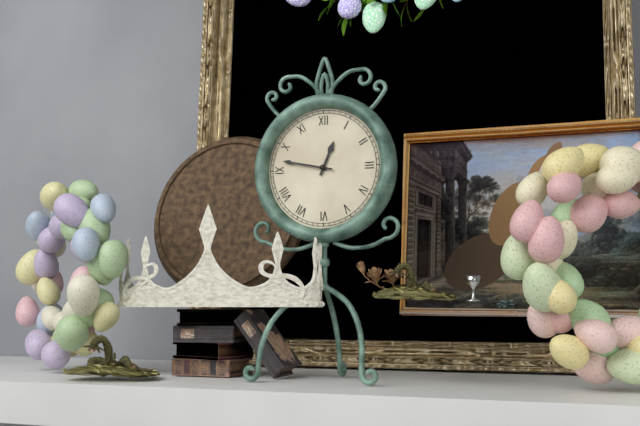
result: 12.47
